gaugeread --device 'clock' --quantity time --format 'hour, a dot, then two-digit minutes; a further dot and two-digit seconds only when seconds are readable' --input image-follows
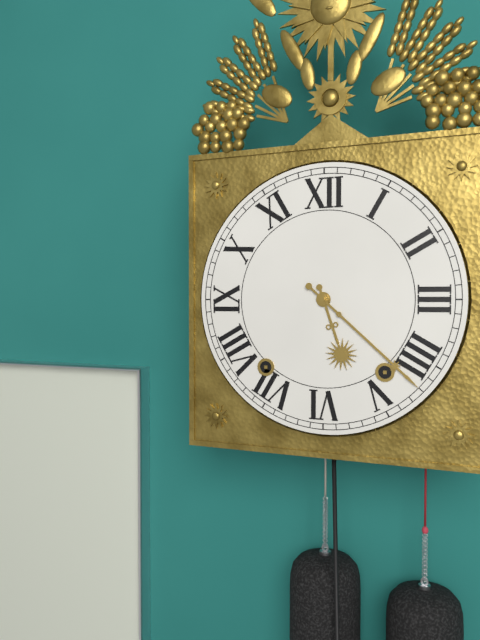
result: 5.22
